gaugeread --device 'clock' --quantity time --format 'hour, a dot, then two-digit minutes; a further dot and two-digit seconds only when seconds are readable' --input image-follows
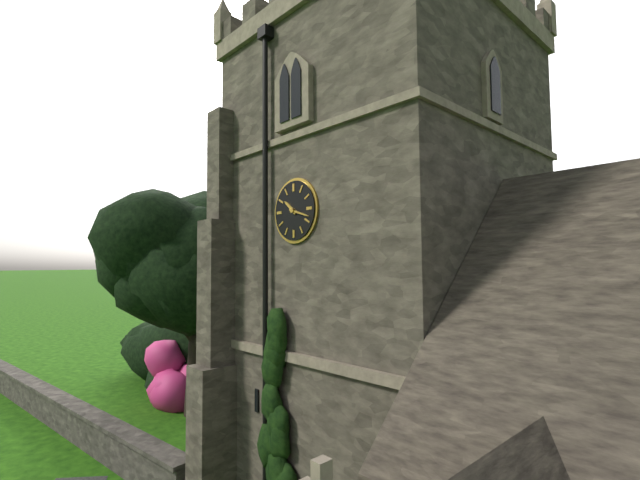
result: 10.18
